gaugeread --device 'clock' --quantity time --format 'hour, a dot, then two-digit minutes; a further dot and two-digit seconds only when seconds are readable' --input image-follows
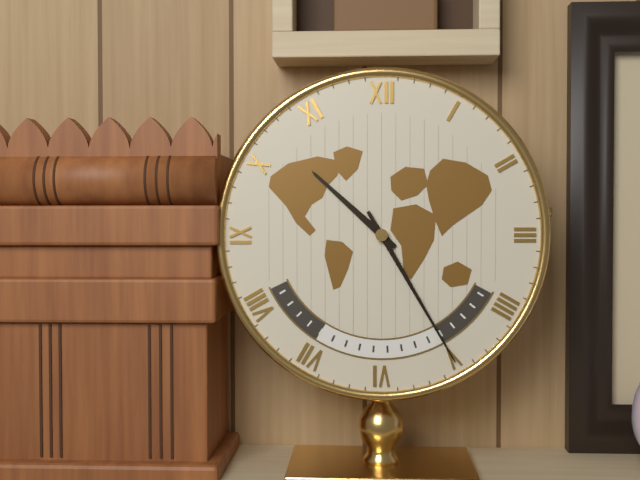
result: 10.25
